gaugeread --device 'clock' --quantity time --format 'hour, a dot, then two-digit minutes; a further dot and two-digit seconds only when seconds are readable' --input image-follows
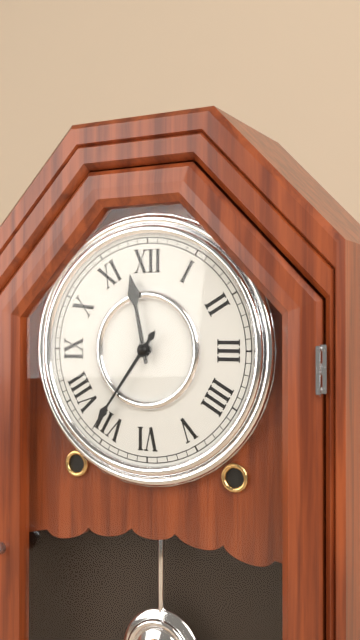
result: 11.36
